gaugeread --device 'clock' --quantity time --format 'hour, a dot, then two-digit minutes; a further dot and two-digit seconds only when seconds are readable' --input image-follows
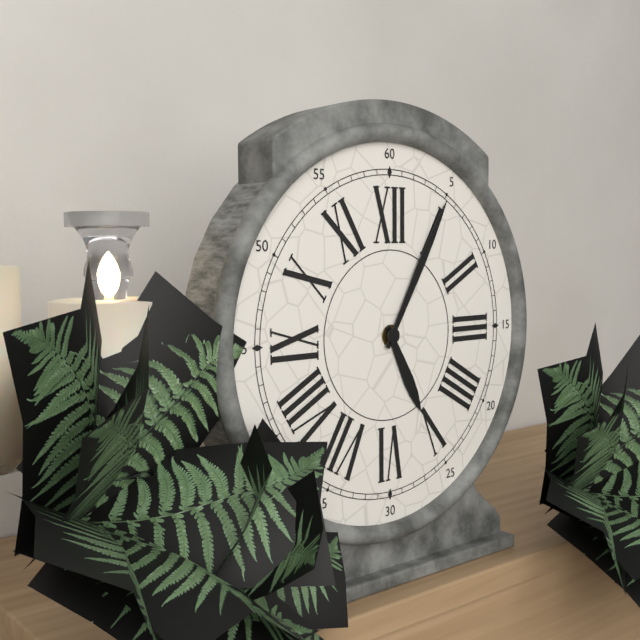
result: 5.05
